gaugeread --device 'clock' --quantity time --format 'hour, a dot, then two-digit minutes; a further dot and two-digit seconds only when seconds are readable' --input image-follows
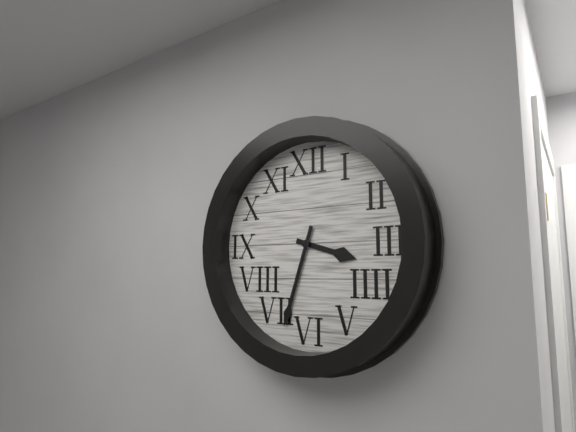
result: 3.33
